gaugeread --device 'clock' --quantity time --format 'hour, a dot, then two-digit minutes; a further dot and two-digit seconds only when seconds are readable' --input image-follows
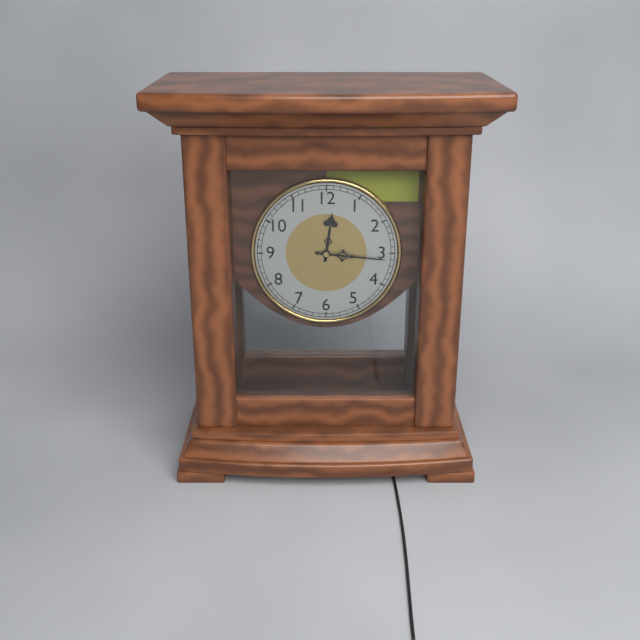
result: 12.16
